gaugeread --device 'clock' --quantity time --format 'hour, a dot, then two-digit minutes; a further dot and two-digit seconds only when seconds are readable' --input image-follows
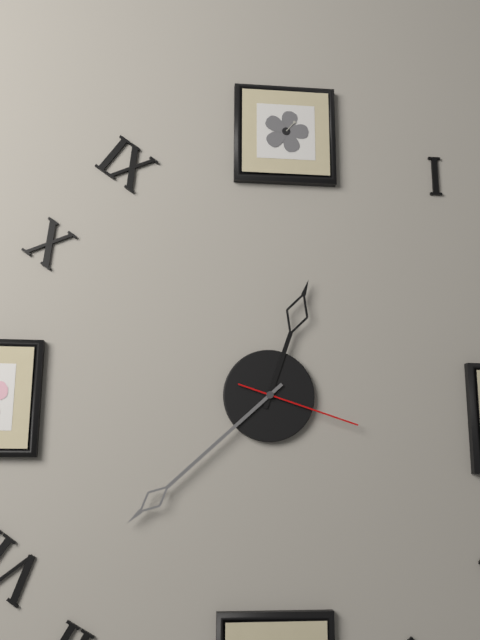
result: 12.38.18
